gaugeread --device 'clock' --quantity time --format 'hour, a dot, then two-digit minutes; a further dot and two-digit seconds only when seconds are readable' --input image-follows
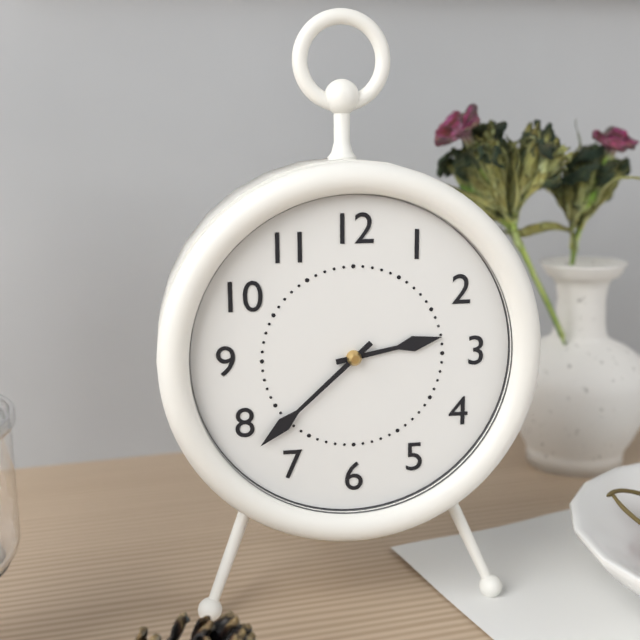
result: 2.38
